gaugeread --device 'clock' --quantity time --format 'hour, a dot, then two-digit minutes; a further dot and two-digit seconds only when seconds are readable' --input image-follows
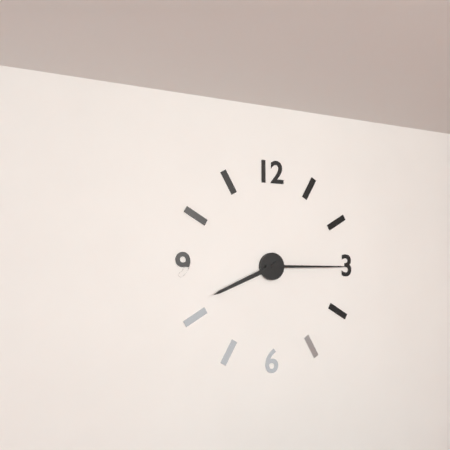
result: 8.15
